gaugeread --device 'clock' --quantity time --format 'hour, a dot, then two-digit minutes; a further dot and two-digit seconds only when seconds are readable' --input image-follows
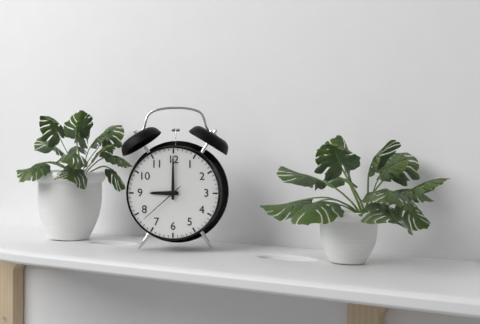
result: 9.00.38
